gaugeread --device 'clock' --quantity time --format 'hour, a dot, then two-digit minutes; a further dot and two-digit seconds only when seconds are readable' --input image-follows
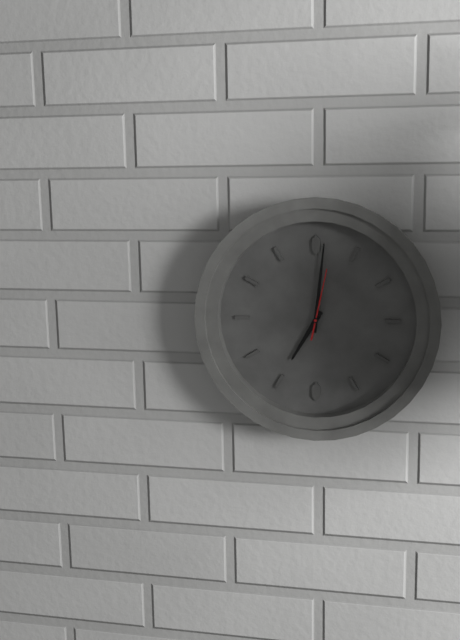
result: 7.01.02
